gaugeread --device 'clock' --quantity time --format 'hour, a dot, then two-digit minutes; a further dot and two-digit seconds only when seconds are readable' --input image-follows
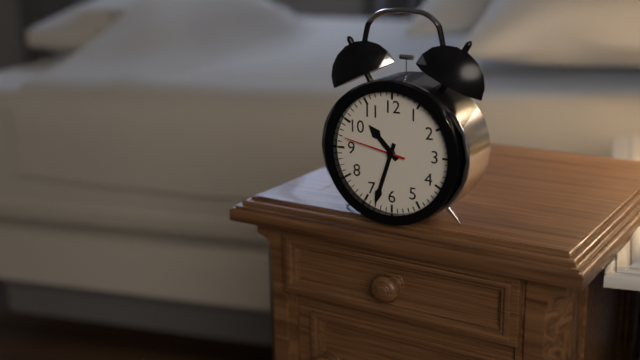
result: 10.33.47
